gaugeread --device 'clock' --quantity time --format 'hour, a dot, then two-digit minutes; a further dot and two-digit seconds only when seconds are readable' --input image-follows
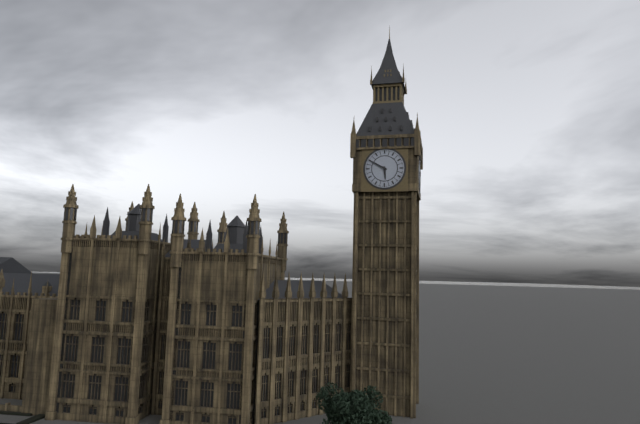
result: 5.50
